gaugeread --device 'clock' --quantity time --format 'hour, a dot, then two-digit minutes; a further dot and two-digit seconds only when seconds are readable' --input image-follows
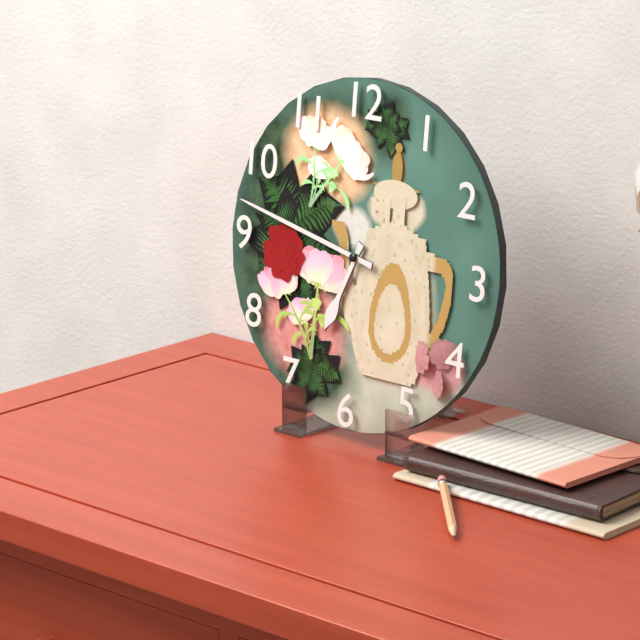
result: 6.47
